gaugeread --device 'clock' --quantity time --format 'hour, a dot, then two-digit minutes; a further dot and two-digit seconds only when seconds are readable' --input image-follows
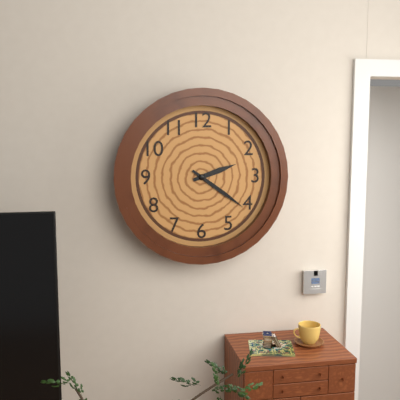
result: 2.21
